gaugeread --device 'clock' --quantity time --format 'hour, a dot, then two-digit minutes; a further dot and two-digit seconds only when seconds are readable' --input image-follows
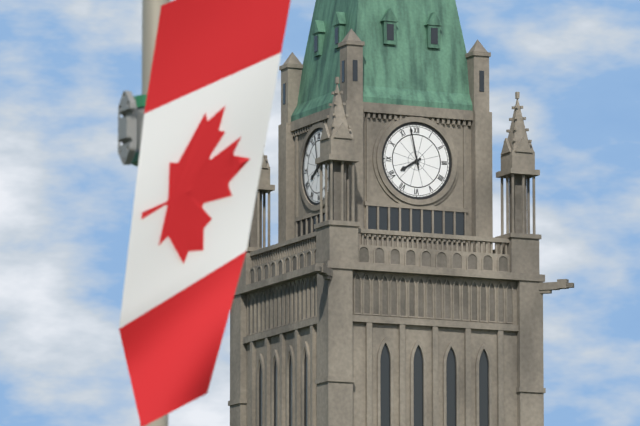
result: 7.58
